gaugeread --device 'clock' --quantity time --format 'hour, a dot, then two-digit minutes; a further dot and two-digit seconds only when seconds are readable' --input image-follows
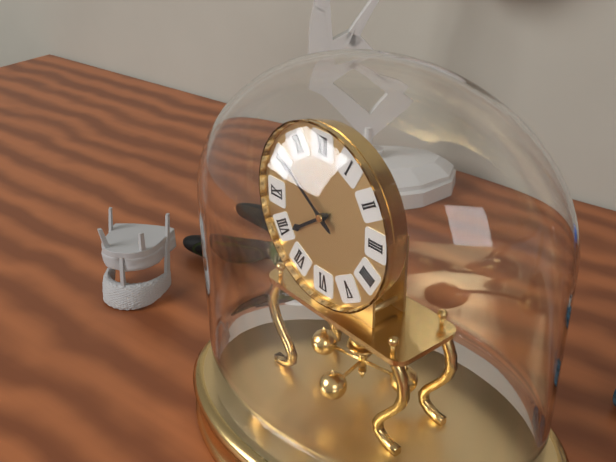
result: 7.51
